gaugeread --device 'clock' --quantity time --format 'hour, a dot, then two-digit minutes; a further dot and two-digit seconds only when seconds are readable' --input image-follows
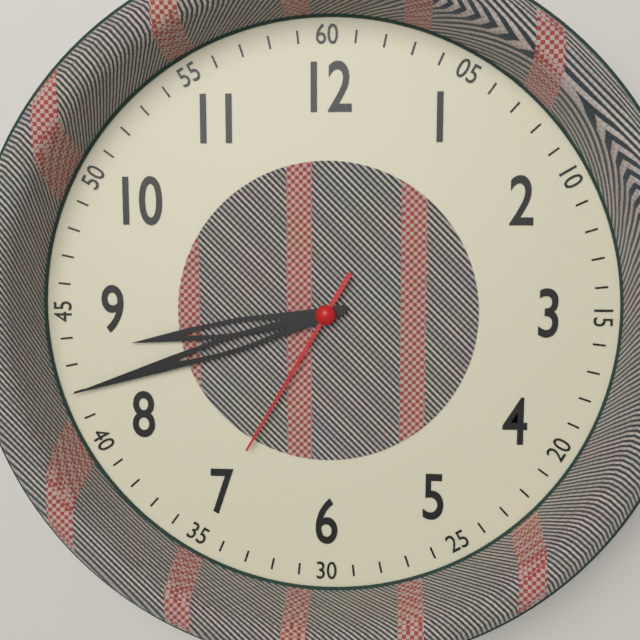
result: 8.42.35
